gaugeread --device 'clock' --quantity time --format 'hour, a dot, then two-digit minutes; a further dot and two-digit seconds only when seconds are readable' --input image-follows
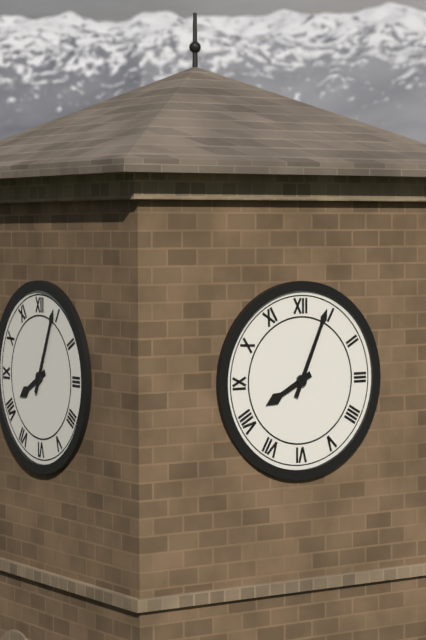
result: 8.04
